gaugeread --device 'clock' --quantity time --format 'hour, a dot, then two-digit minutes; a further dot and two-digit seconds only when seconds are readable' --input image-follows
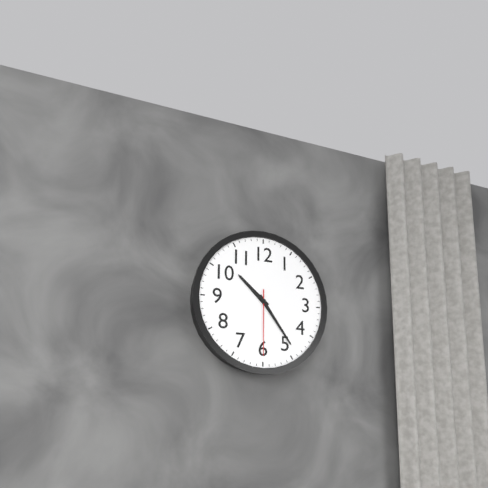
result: 10.24.30
